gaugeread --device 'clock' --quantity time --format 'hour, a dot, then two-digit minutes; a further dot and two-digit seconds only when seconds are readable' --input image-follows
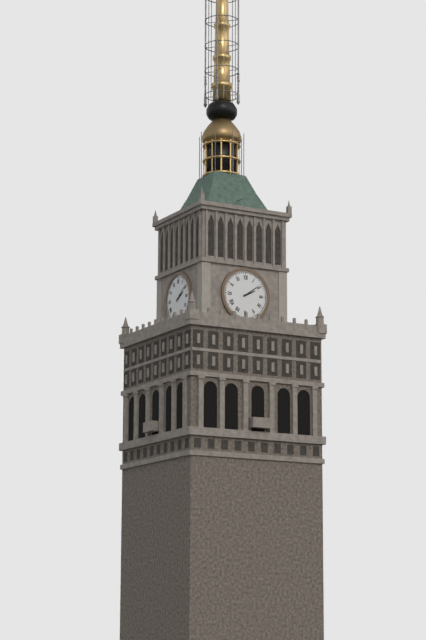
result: 2.09
